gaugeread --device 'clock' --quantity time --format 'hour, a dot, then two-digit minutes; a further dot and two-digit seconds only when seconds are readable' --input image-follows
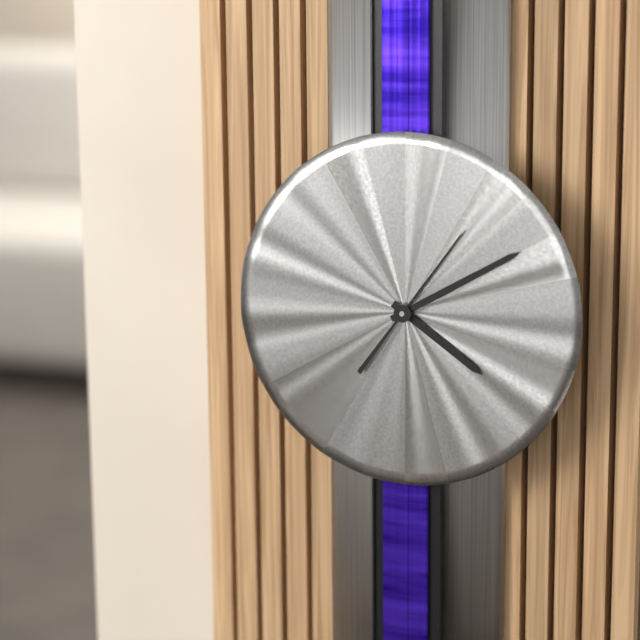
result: 4.10.06
